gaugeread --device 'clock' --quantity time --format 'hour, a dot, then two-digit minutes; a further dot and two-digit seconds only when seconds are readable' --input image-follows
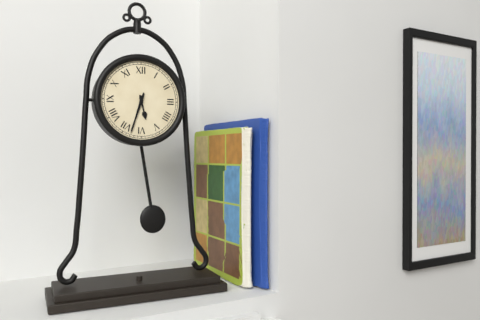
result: 5.33
